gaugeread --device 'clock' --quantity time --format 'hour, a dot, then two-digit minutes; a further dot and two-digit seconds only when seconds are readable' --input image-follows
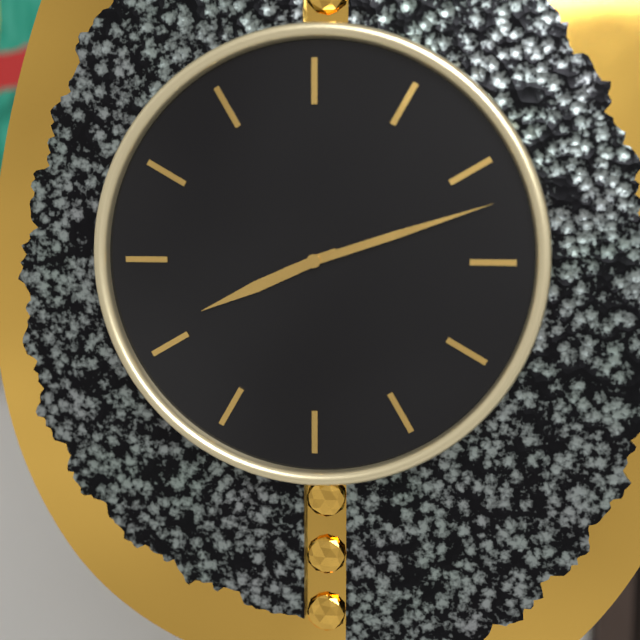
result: 8.12
